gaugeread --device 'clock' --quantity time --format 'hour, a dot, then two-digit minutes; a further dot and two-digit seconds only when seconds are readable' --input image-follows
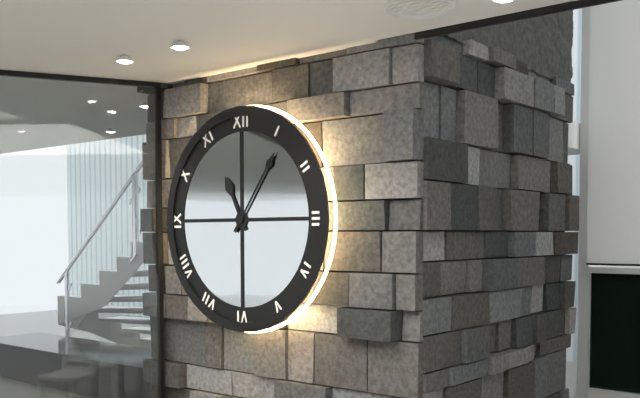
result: 11.06
